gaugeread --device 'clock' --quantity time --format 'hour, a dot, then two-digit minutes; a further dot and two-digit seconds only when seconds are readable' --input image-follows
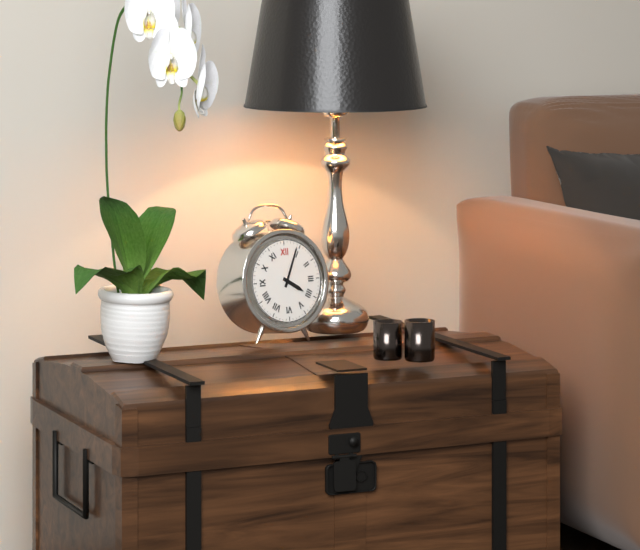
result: 4.04
